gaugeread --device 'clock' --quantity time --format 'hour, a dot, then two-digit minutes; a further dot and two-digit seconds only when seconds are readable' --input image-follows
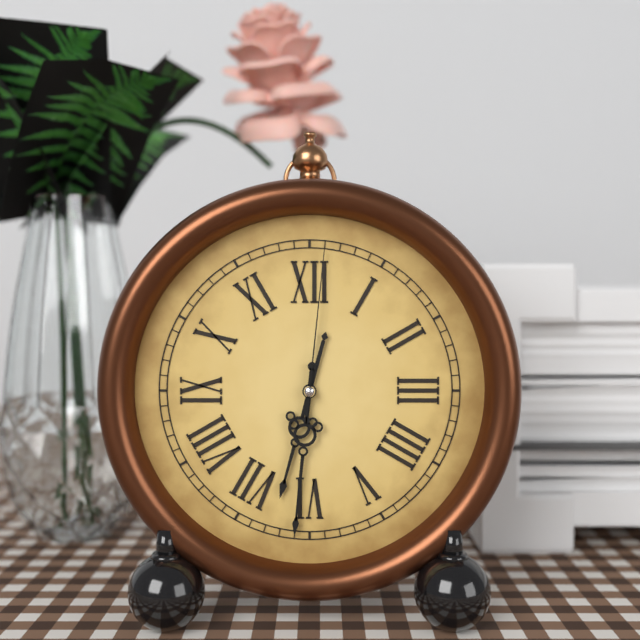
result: 6.31.01
